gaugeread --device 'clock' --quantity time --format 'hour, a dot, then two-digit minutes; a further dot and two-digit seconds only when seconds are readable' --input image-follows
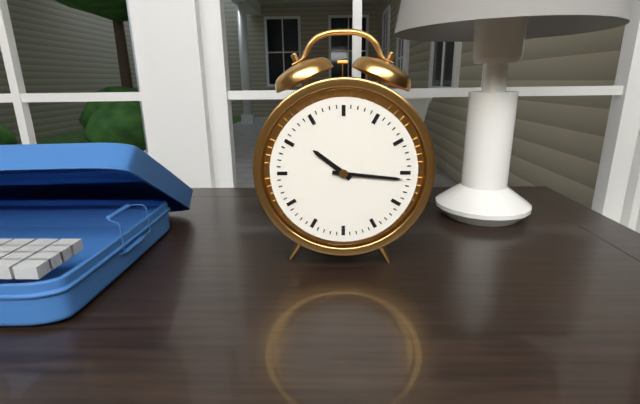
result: 10.16
